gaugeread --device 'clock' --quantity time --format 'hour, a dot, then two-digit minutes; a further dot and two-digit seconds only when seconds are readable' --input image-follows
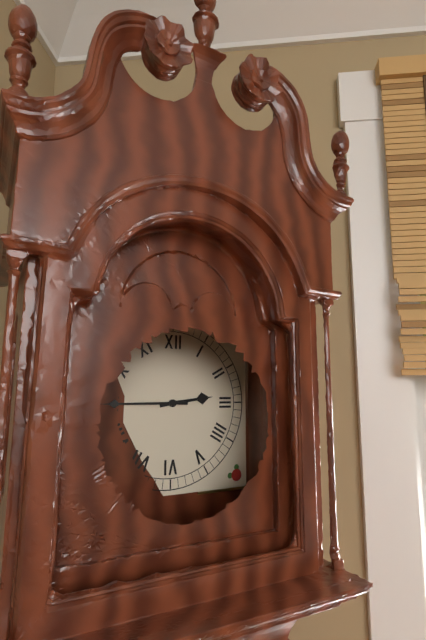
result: 2.45
